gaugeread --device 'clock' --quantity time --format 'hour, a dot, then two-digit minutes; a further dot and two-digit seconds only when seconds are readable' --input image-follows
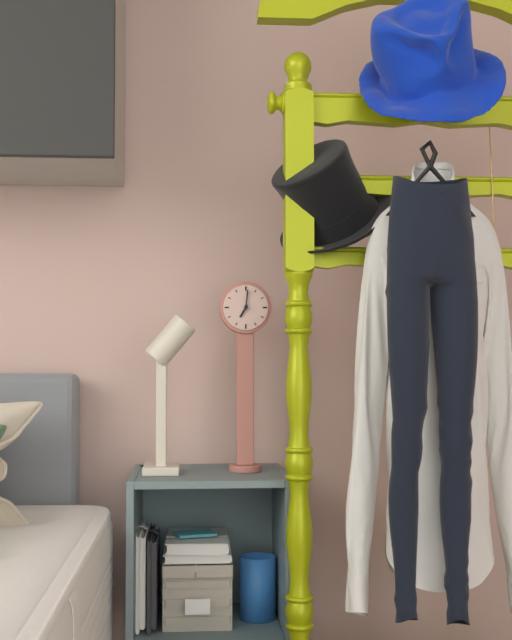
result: 7.01
